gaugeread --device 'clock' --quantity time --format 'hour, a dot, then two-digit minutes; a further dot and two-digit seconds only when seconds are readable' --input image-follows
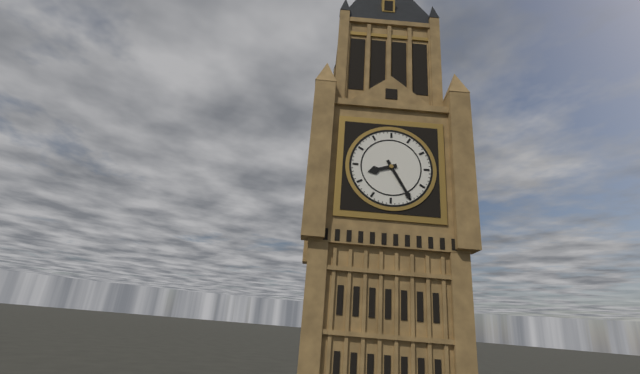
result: 8.25
